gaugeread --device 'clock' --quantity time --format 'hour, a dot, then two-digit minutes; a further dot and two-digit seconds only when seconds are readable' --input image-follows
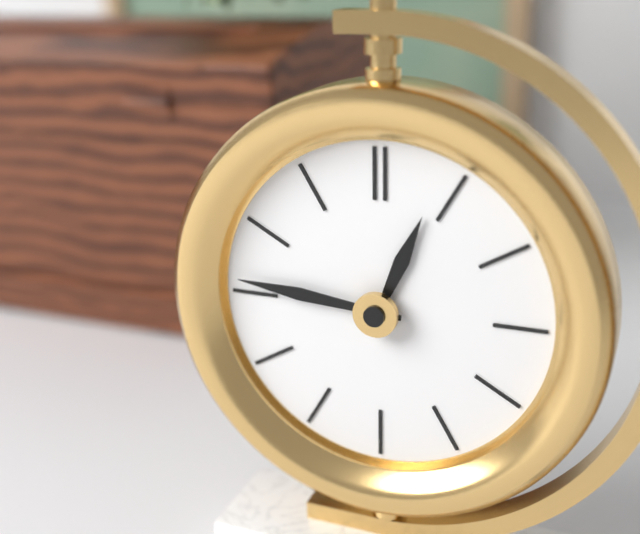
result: 12.46
